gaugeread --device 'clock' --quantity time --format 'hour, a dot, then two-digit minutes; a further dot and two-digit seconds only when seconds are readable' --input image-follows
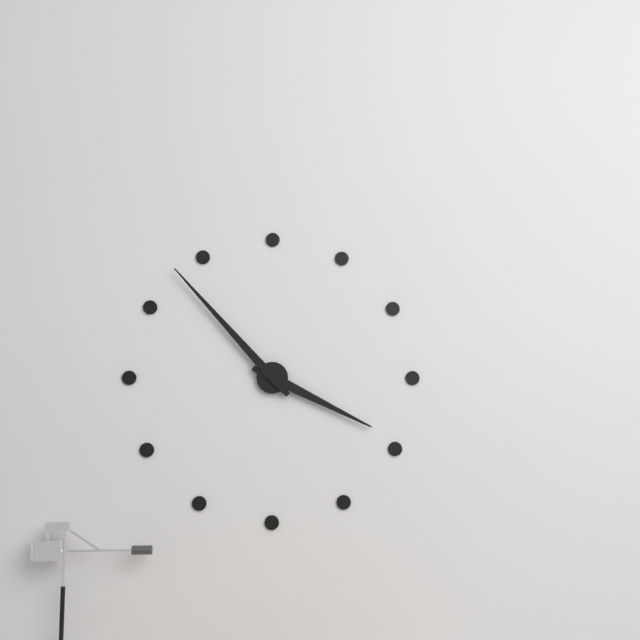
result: 3.53
